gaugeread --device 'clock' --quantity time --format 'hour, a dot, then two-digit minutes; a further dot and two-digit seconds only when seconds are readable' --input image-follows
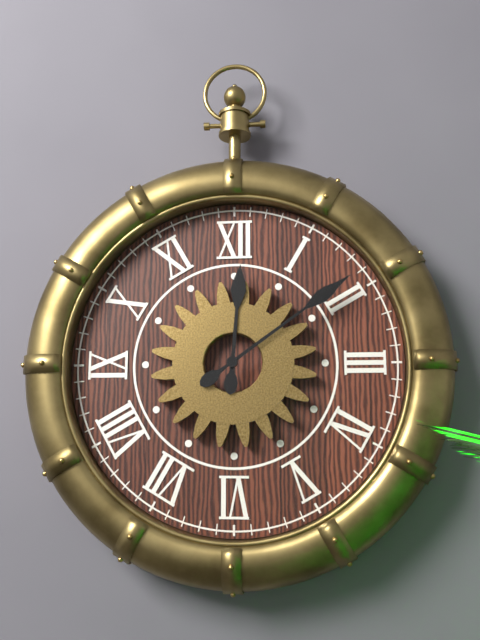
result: 12.09
